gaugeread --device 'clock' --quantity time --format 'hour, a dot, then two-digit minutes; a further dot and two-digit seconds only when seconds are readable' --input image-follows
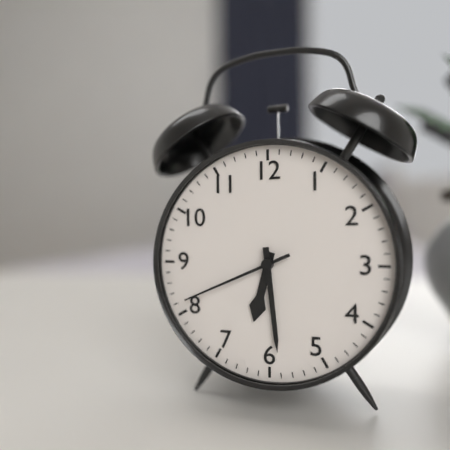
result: 6.29.41
